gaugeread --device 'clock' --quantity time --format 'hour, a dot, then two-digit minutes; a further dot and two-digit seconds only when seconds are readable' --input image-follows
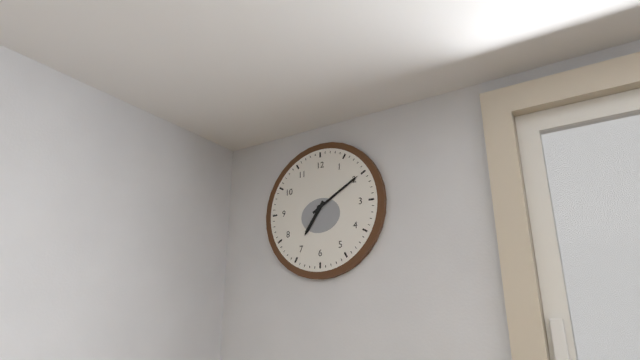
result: 7.10
